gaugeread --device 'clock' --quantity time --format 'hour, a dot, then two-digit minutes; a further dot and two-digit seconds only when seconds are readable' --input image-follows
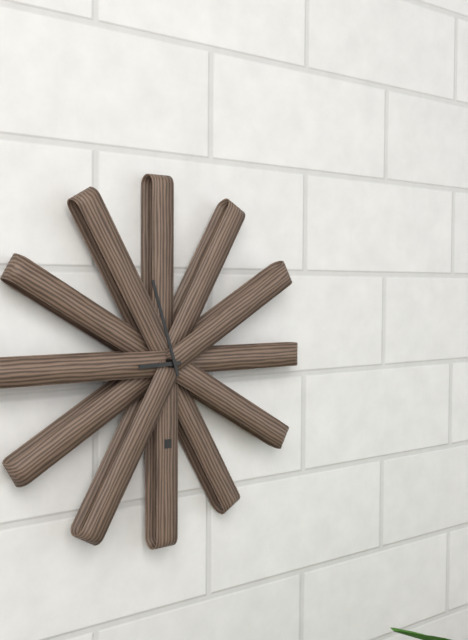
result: 8.57
